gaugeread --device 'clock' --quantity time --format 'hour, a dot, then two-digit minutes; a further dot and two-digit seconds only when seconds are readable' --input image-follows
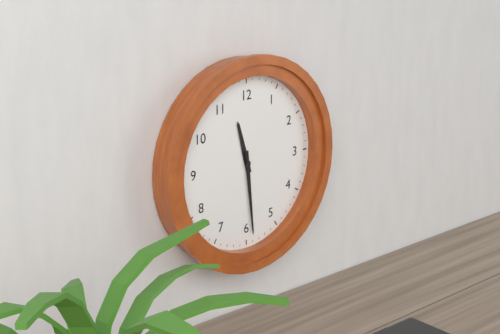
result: 11.29
